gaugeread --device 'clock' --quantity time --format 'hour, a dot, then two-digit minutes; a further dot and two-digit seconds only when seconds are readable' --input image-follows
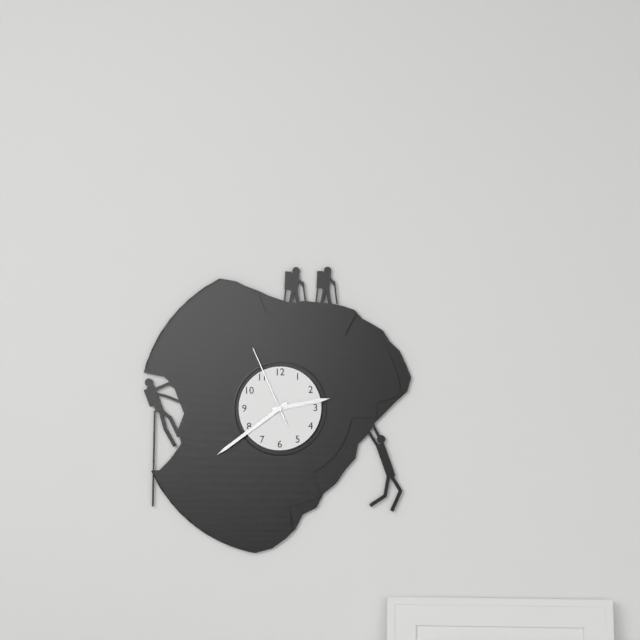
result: 2.39.56
